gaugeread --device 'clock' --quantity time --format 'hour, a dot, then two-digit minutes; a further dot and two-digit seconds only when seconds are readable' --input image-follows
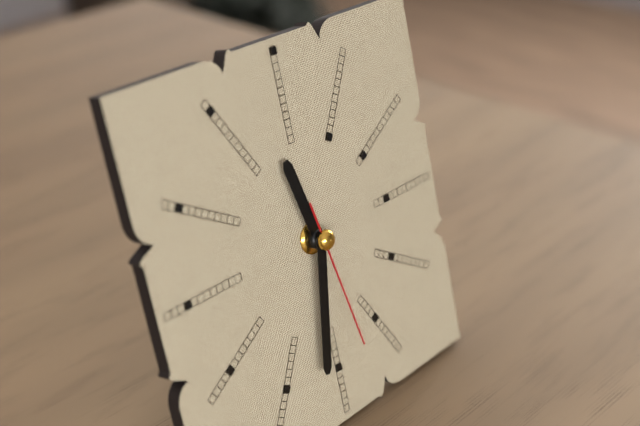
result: 11.32.28
